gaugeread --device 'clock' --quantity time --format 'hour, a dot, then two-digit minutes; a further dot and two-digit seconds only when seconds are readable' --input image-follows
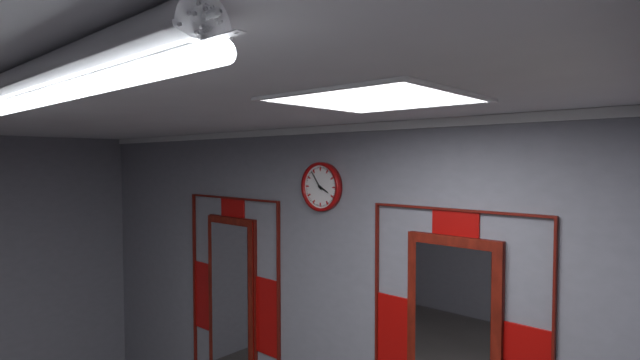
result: 3.54
